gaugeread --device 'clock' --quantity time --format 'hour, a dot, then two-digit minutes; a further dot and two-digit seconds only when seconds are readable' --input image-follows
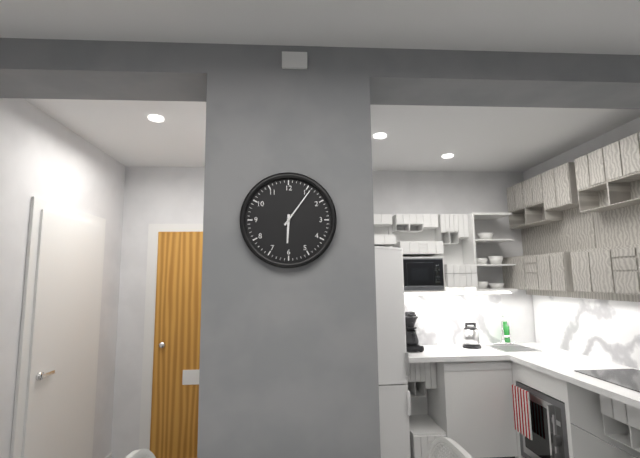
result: 6.06
